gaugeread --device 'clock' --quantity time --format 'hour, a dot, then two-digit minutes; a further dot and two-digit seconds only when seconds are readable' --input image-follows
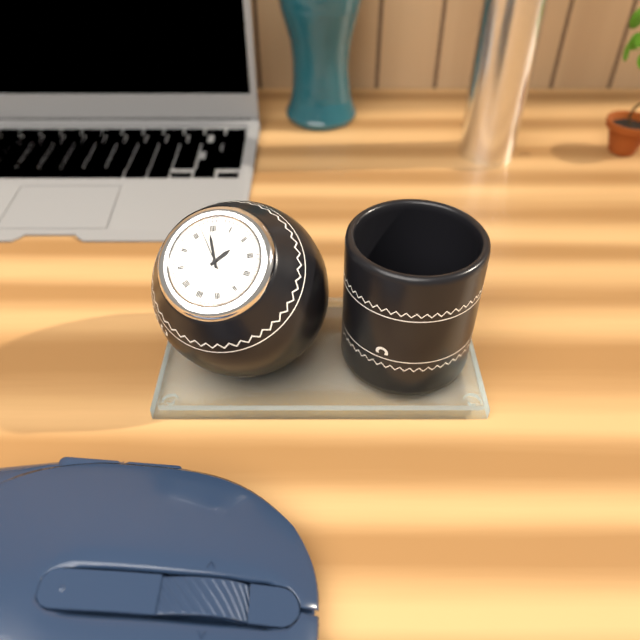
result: 1.59
